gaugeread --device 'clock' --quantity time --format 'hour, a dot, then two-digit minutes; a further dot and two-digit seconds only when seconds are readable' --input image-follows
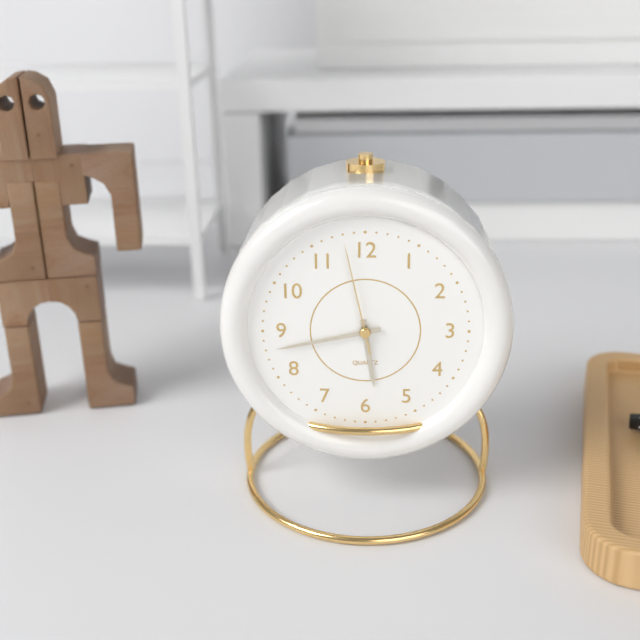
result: 5.43.58
